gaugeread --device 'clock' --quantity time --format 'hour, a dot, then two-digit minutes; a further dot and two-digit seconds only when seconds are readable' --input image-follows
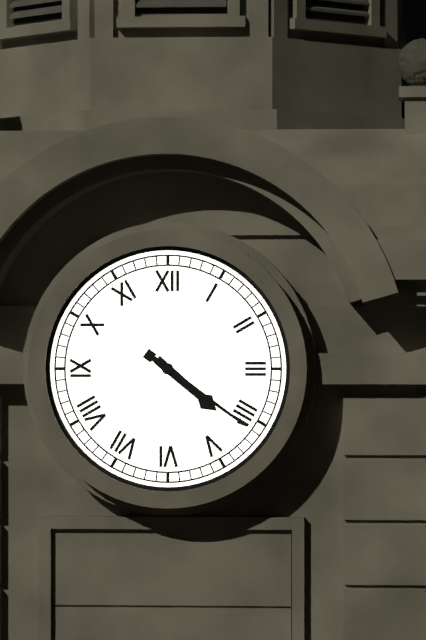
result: 4.21
